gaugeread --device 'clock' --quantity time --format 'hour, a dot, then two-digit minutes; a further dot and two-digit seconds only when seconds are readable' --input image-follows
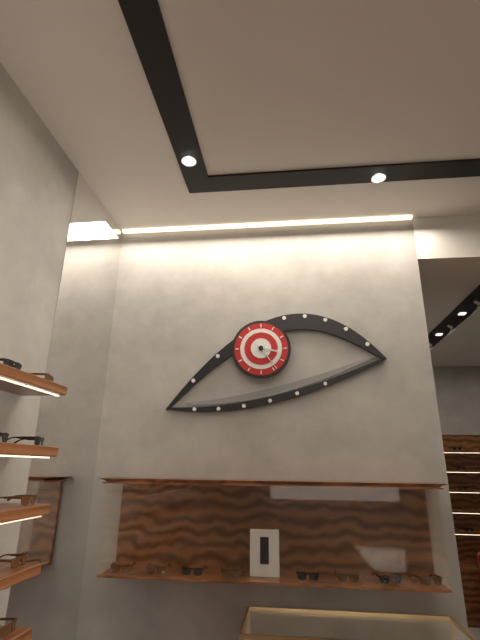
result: 3.24
